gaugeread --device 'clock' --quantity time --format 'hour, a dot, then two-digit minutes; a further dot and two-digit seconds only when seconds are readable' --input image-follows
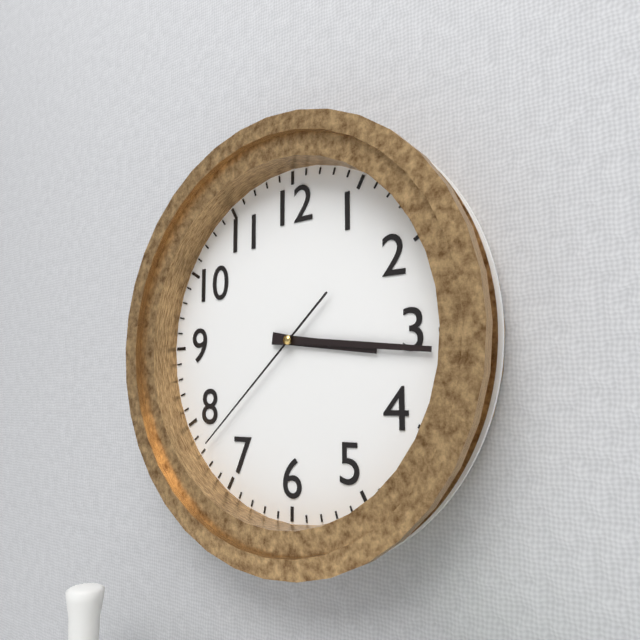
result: 3.16.38
